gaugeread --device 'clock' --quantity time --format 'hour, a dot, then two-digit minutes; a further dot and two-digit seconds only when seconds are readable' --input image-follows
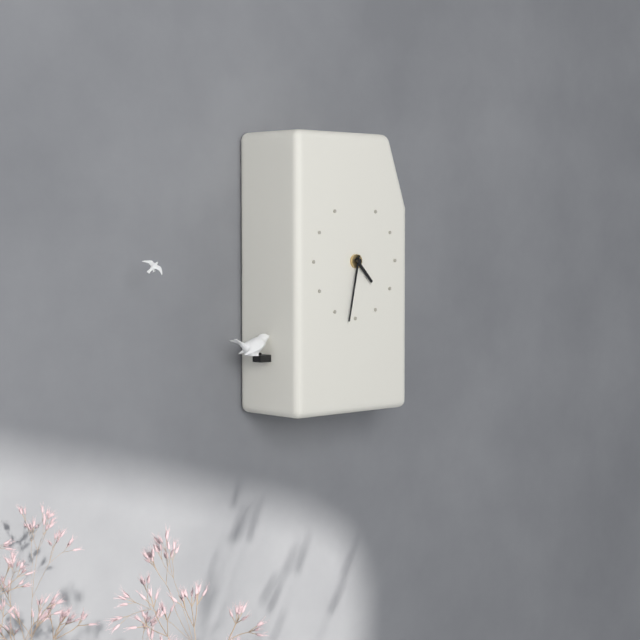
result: 4.32
